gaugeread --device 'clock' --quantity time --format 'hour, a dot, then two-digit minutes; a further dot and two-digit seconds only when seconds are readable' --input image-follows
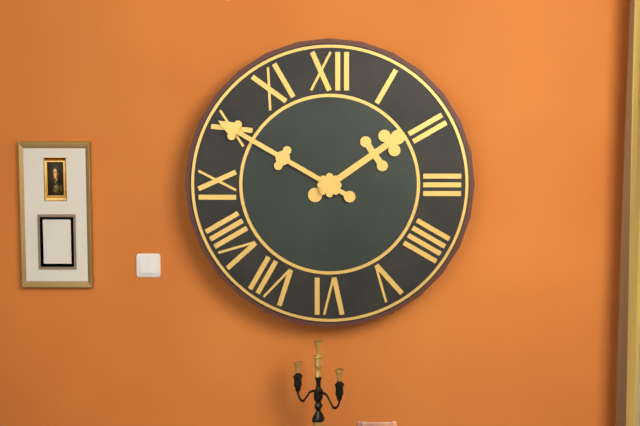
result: 1.50
